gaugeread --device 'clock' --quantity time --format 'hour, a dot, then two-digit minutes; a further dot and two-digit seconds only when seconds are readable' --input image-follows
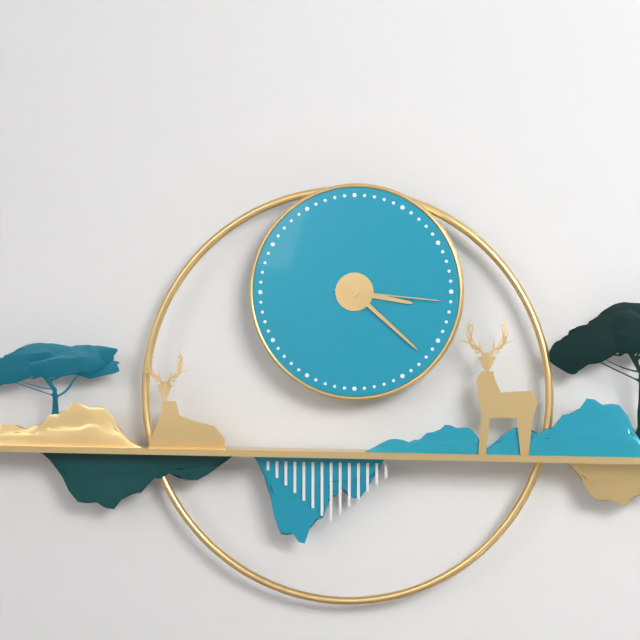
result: 3.22.16
